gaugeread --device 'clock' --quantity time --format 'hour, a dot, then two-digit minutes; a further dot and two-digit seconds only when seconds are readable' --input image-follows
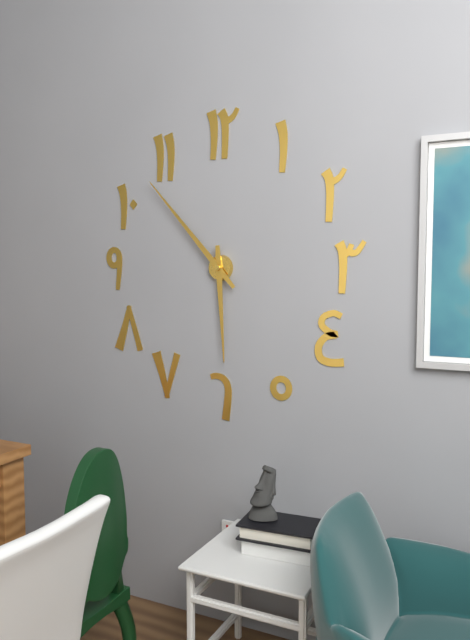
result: 5.53
